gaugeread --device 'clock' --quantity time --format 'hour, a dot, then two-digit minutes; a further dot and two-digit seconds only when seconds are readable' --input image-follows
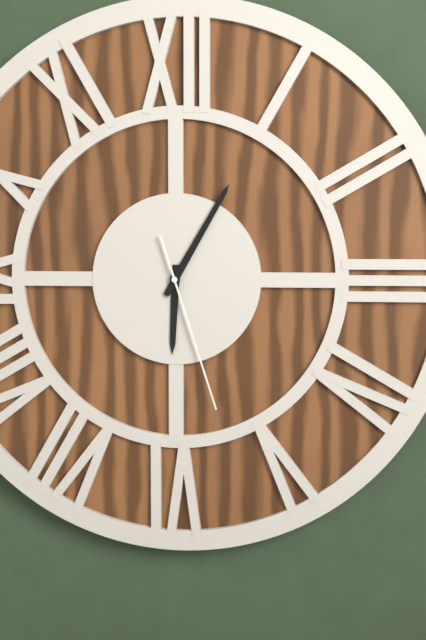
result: 6.05.27
